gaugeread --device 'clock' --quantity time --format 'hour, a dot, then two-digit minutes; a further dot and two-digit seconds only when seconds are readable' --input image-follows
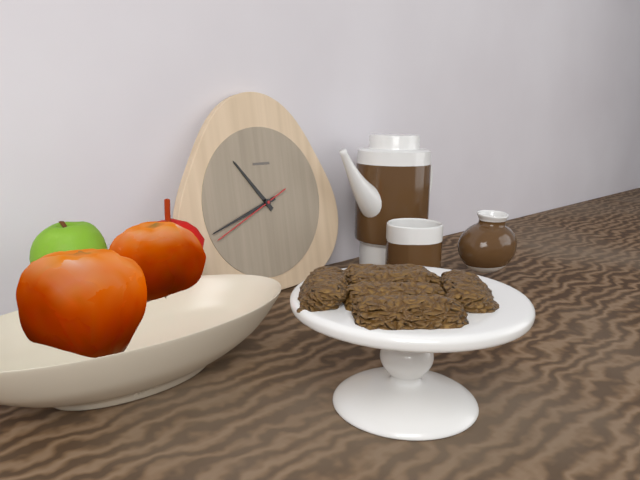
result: 10.42.41
